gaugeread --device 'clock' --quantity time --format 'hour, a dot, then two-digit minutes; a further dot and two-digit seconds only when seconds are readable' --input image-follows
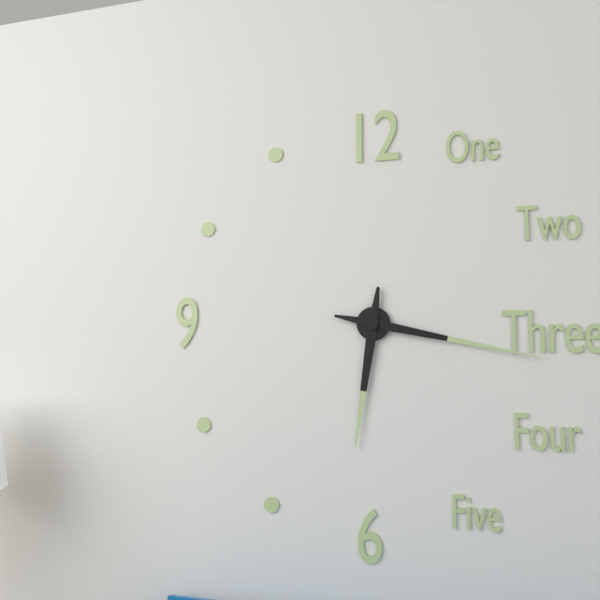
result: 6.17
